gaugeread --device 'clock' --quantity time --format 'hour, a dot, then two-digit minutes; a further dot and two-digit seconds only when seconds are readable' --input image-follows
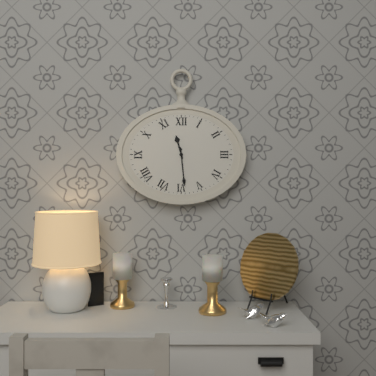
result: 11.29
